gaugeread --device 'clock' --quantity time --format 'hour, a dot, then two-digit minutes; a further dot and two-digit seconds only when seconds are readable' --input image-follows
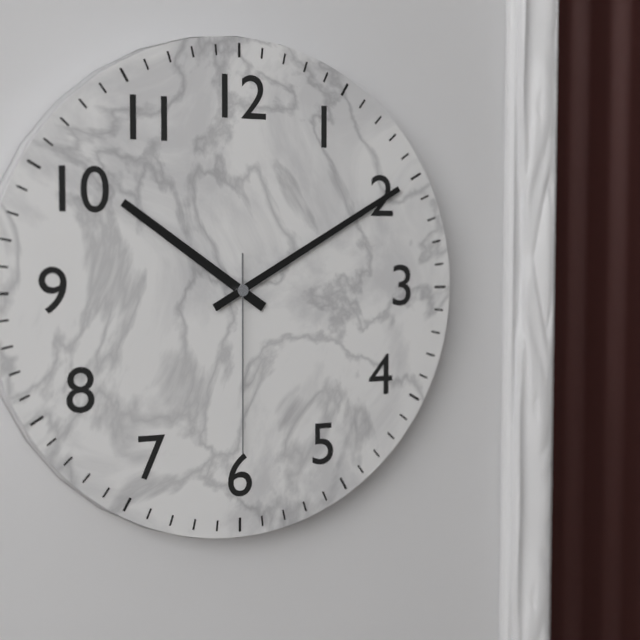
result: 10.10.30
